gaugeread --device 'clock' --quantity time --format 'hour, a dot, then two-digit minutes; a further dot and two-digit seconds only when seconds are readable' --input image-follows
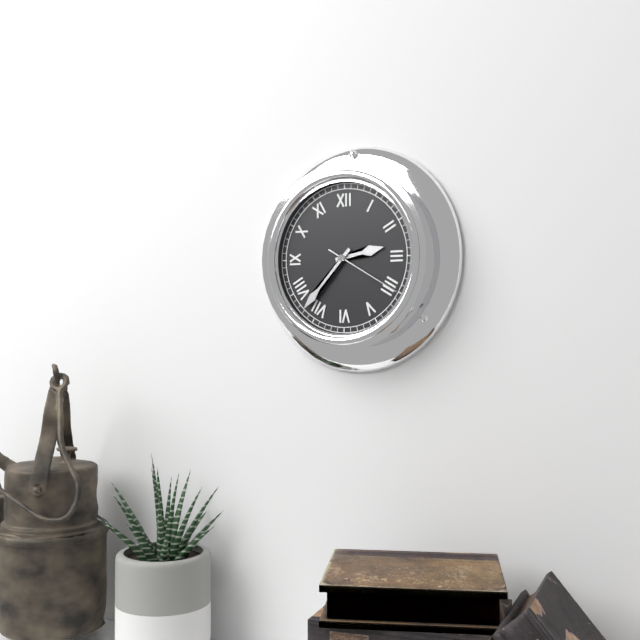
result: 2.37.20
